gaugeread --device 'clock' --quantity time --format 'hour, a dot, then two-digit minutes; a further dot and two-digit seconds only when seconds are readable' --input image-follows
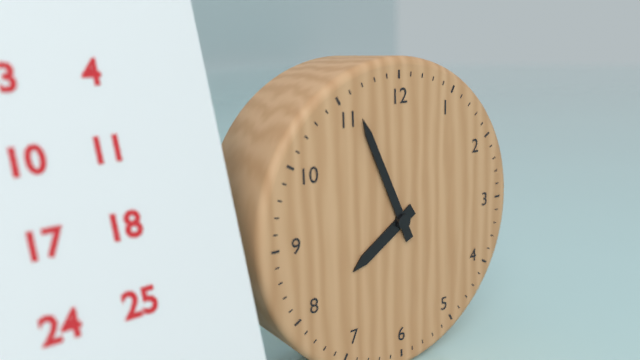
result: 7.56
